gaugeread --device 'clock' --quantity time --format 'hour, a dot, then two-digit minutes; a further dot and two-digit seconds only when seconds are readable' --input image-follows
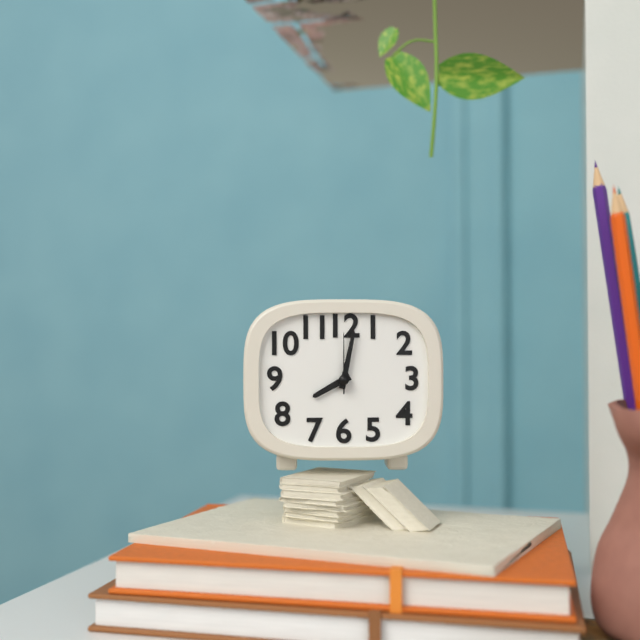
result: 8.02.00
